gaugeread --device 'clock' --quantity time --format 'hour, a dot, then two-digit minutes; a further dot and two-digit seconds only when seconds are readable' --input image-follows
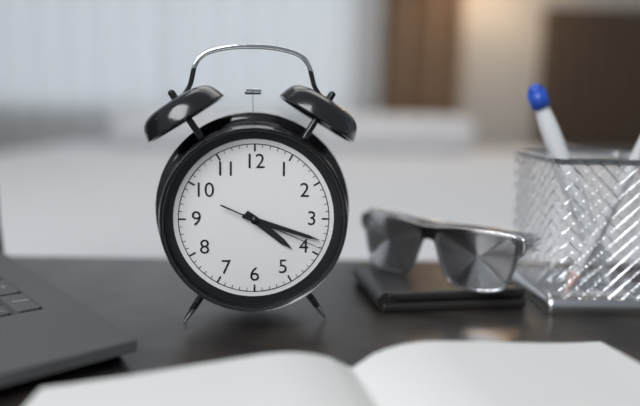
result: 4.18.19
